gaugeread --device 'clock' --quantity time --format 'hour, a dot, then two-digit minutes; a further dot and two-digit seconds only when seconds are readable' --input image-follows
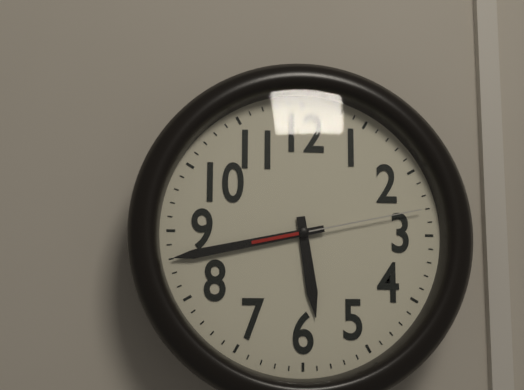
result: 5.43.13
